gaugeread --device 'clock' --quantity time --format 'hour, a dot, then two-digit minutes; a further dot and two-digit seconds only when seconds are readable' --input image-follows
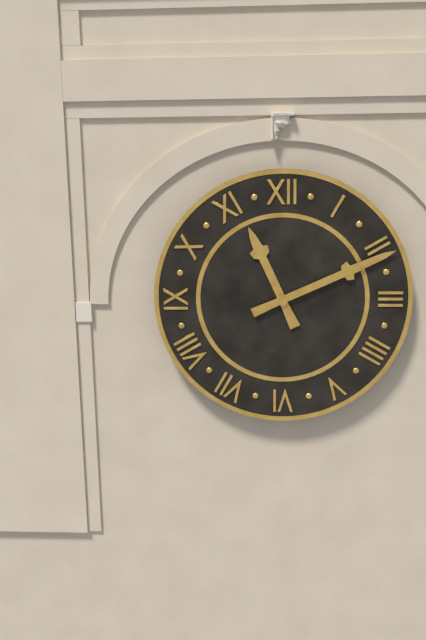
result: 11.11
